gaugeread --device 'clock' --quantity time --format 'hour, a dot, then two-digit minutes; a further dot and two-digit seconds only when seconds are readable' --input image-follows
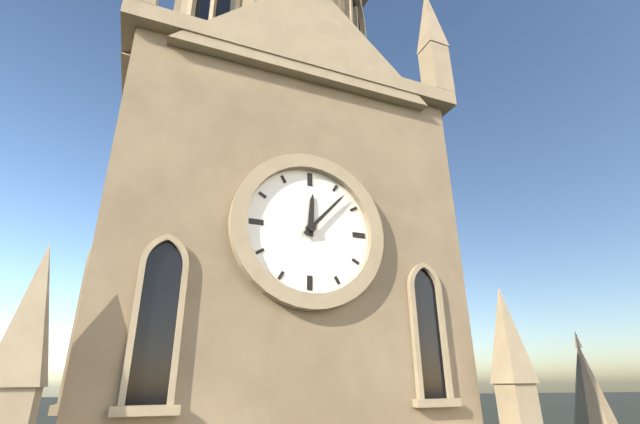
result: 12.07
